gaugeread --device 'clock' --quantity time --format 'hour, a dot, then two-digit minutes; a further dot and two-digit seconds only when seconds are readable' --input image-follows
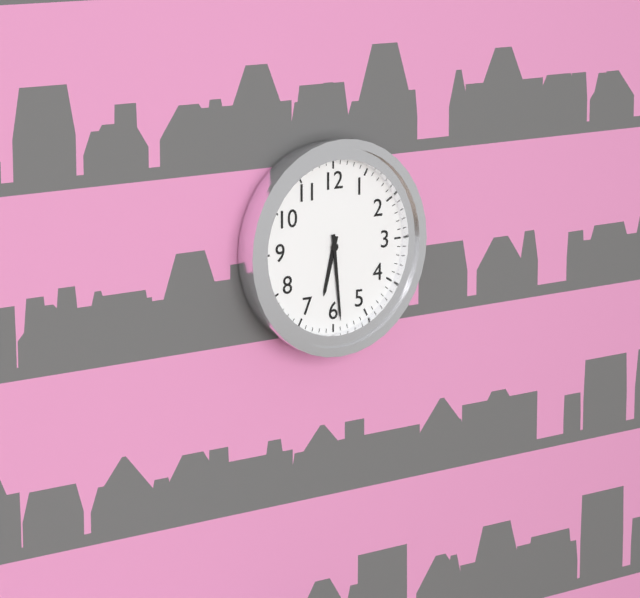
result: 6.29
